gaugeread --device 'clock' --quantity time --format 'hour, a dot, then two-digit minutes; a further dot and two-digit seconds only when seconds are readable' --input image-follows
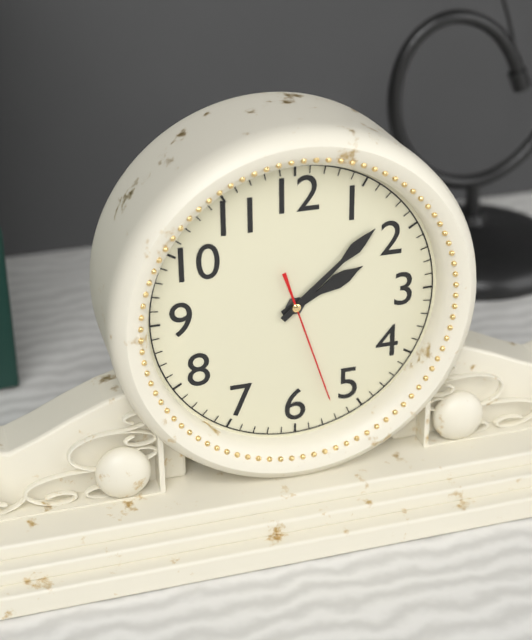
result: 2.08.27
